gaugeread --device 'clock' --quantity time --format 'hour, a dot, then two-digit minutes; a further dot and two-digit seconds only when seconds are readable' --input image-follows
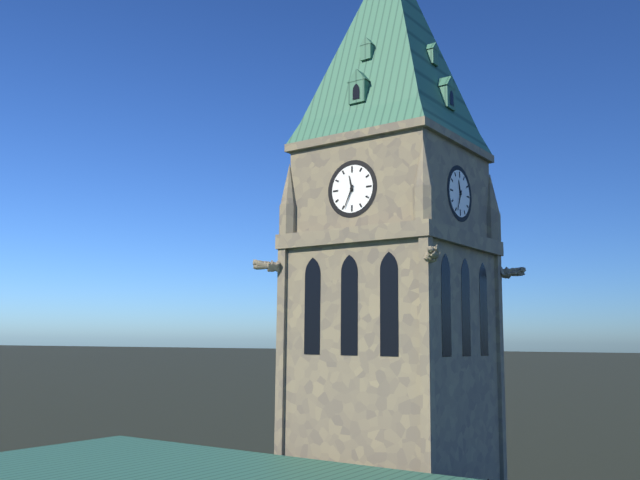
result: 11.34
